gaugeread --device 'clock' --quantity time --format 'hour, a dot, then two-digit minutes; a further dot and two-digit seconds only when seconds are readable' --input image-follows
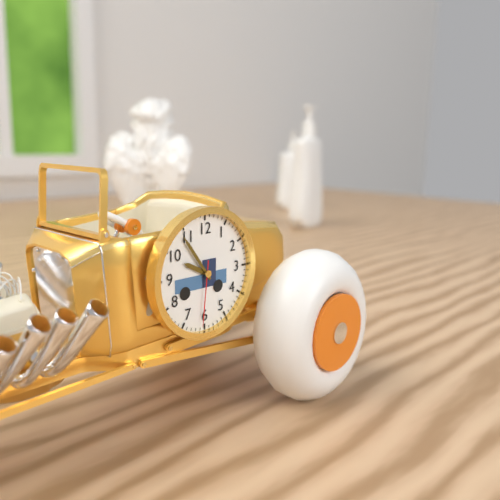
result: 9.54.31
